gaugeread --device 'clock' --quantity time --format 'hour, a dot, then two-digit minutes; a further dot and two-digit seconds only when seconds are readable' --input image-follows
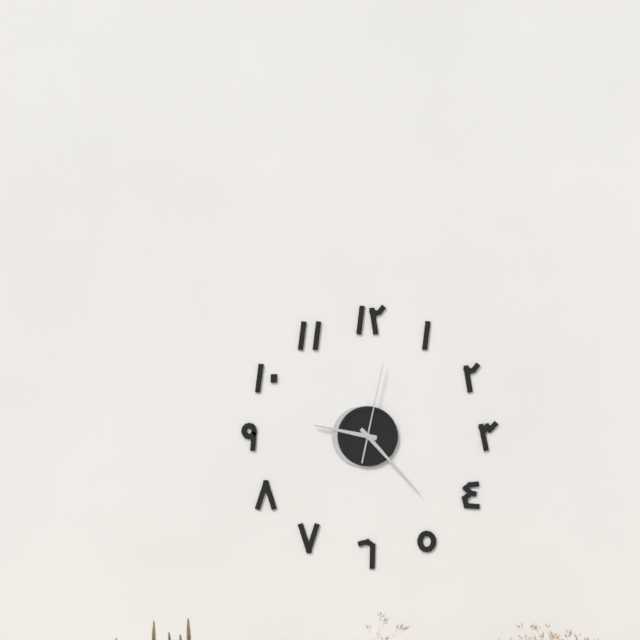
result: 9.23.02
